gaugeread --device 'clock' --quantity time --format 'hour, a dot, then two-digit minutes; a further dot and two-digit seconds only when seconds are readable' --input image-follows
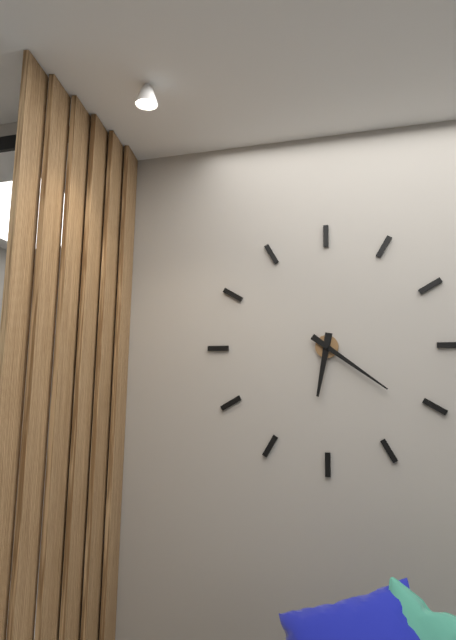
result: 6.21
